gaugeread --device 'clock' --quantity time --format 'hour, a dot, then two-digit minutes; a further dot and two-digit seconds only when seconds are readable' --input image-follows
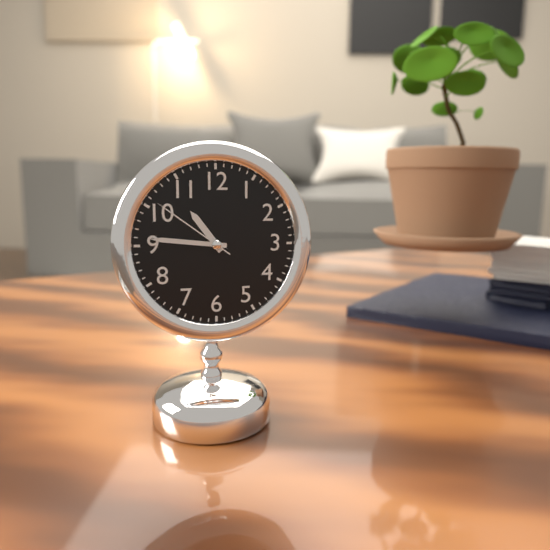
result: 10.46.51
